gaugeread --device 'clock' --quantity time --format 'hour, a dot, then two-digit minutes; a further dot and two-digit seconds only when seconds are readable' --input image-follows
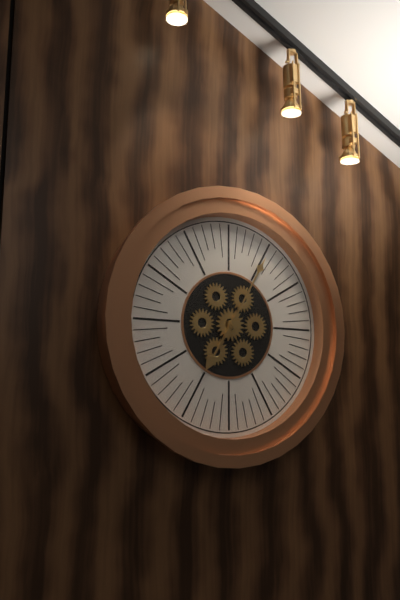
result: 7.05
